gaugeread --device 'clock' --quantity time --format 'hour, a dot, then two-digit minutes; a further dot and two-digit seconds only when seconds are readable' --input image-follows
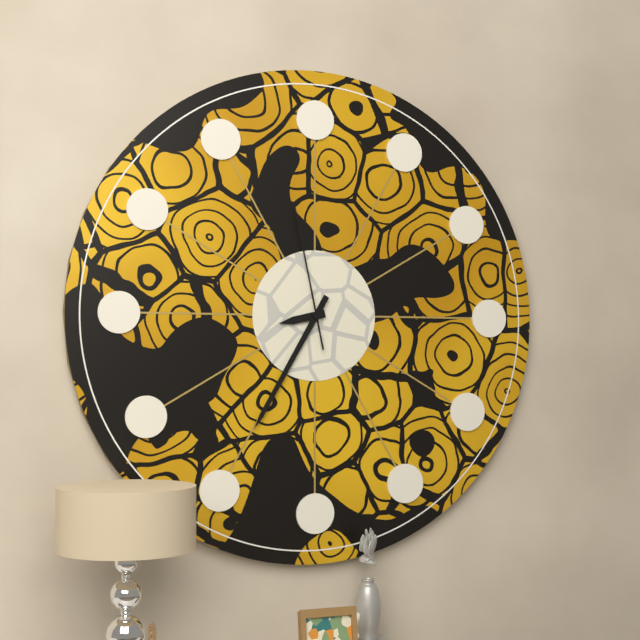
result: 8.35.58
